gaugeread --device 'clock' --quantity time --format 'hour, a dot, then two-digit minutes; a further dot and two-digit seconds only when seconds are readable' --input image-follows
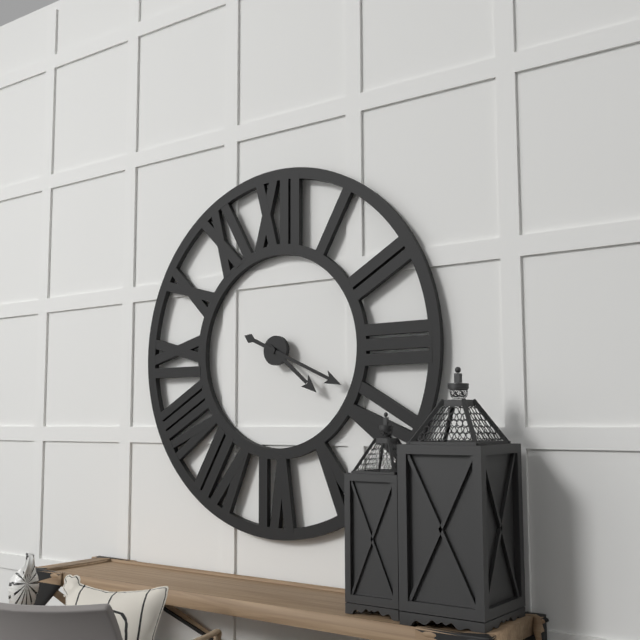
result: 4.19
